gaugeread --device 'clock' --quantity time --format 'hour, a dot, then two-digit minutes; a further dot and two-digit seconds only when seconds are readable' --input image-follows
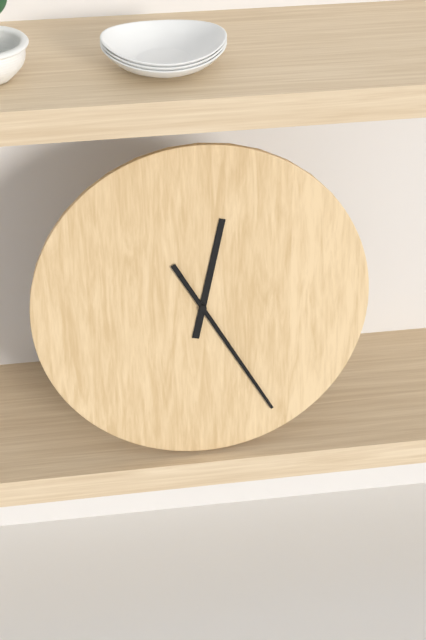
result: 12.25.25
